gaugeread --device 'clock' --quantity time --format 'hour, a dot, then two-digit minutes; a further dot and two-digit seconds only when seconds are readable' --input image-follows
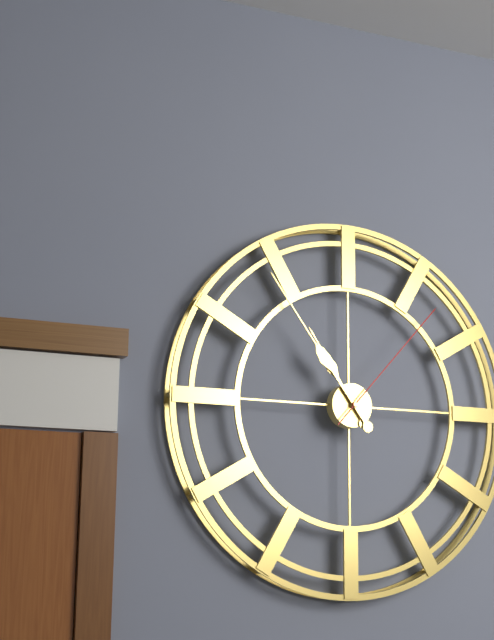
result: 10.54.07
